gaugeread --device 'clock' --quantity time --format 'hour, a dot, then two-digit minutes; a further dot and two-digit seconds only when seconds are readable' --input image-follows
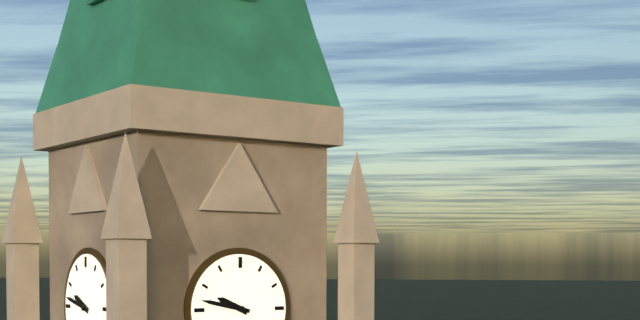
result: 9.47
